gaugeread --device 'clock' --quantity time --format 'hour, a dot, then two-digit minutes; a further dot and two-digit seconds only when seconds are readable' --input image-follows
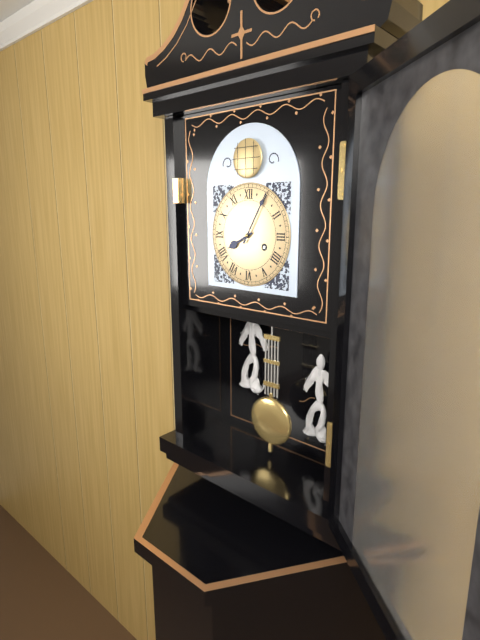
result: 8.05
